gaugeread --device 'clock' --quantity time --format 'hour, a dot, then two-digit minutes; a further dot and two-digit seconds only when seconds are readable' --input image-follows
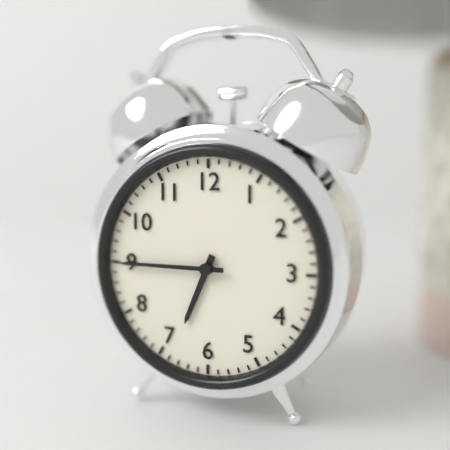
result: 6.45
